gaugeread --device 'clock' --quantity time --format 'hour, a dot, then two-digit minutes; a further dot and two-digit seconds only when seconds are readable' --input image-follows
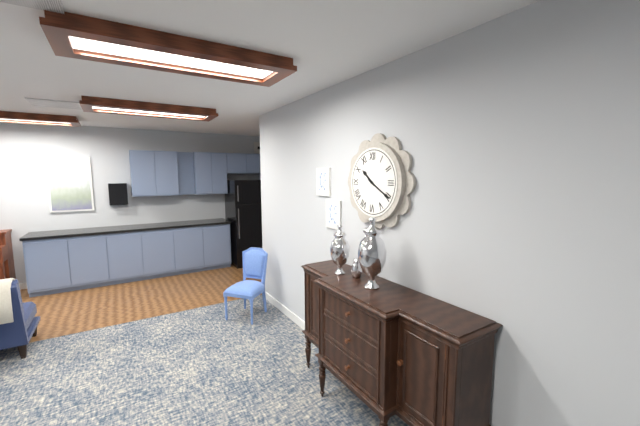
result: 10.20
